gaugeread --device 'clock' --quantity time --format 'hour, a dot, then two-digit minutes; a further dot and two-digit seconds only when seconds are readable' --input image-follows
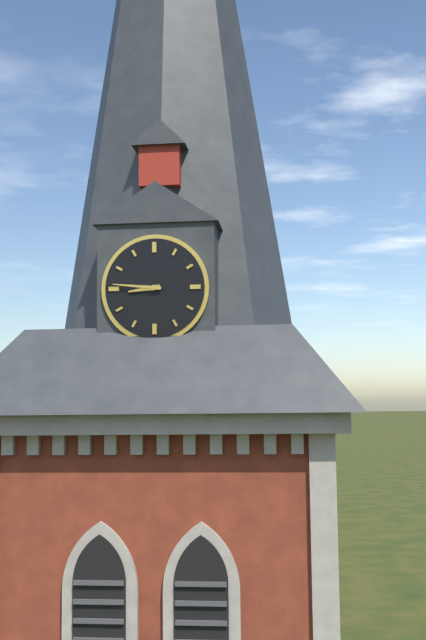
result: 8.46
